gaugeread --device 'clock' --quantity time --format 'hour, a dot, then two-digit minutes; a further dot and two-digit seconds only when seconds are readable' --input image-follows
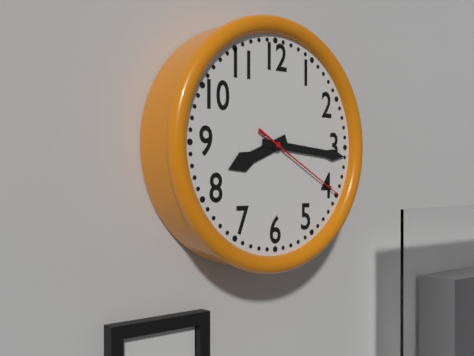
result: 8.16.20
